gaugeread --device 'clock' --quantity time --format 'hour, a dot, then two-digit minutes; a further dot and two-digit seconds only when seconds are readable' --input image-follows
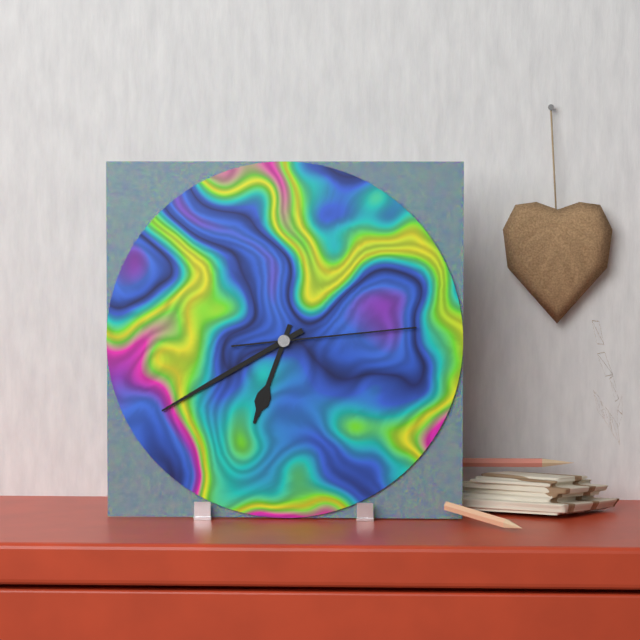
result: 6.40.14
